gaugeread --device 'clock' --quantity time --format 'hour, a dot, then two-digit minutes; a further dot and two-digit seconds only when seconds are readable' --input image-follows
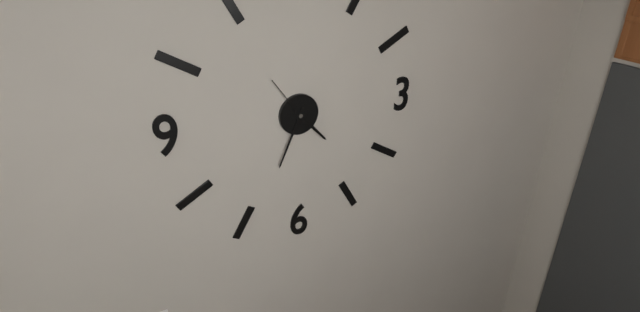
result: 4.34.54
